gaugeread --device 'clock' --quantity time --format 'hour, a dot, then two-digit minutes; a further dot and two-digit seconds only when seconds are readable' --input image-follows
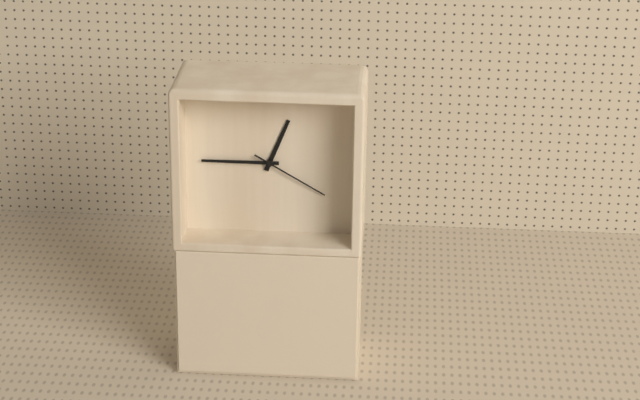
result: 12.45.20
